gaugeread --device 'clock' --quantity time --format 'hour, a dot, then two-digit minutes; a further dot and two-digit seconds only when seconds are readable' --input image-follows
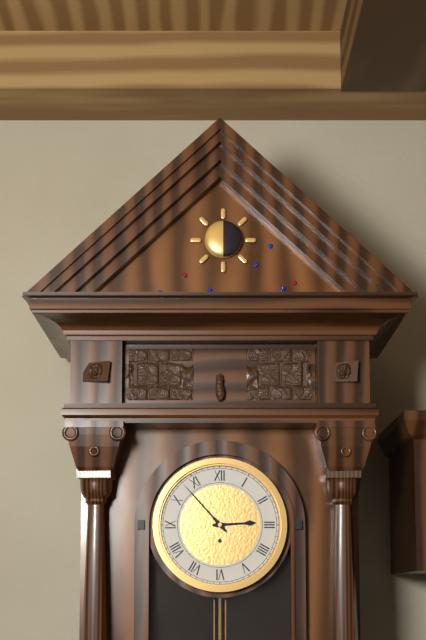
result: 2.53
